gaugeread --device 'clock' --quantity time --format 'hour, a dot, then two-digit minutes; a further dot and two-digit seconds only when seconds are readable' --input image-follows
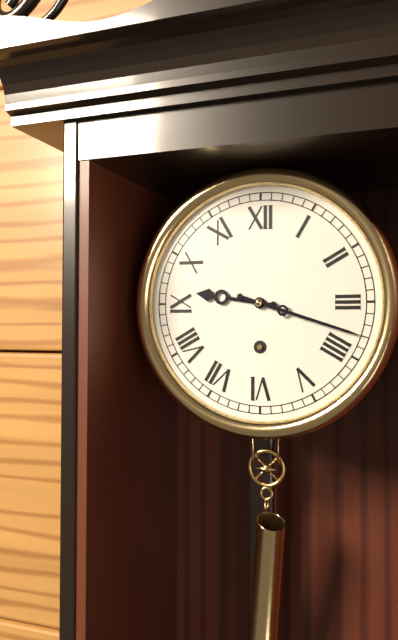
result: 9.18
